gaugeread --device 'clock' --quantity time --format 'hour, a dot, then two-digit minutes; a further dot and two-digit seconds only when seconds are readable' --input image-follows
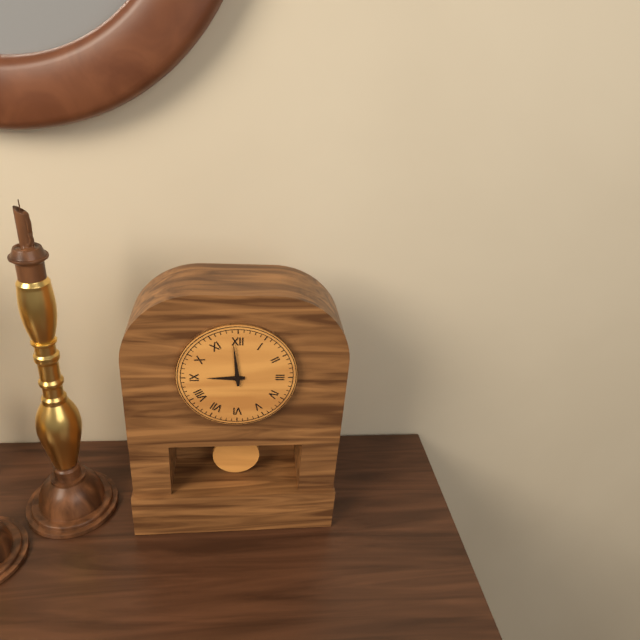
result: 8.59
